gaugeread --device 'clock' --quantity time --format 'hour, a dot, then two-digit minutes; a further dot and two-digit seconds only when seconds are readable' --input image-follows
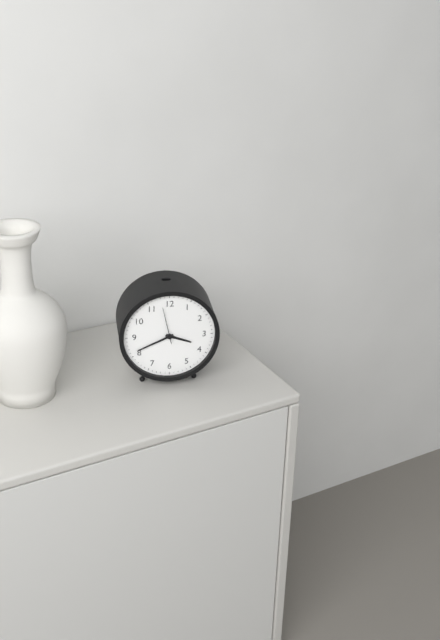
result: 3.41
